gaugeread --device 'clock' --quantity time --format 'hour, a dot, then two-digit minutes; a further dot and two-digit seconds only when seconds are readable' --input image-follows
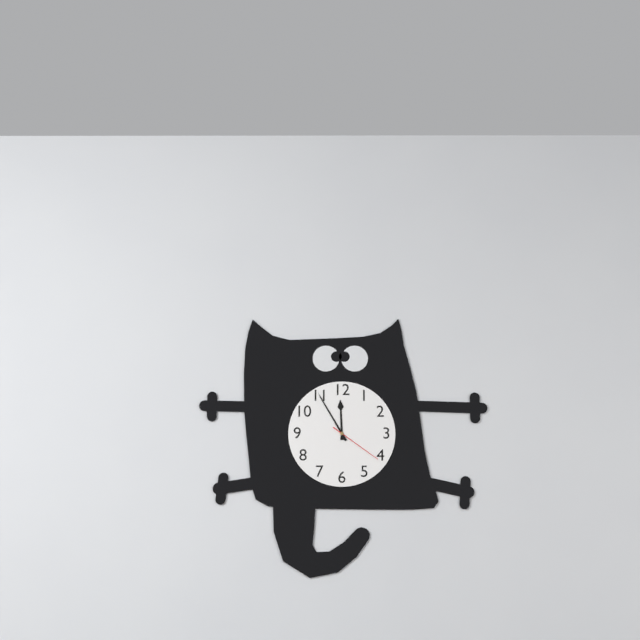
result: 11.55.21
